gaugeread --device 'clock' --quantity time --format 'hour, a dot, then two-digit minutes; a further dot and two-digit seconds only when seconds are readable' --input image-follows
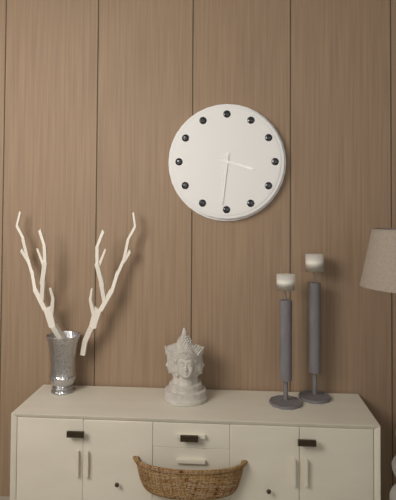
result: 3.31
